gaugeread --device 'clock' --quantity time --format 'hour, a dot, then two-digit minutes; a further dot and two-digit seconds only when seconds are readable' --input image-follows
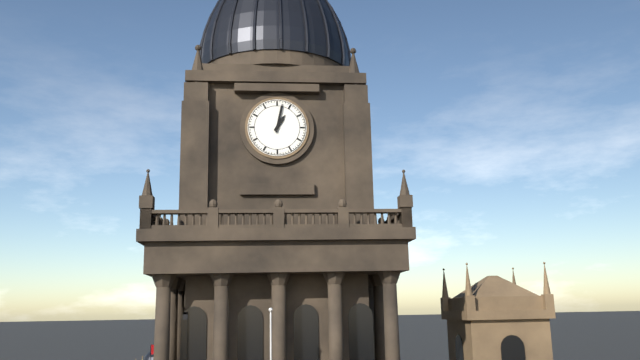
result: 1.02
